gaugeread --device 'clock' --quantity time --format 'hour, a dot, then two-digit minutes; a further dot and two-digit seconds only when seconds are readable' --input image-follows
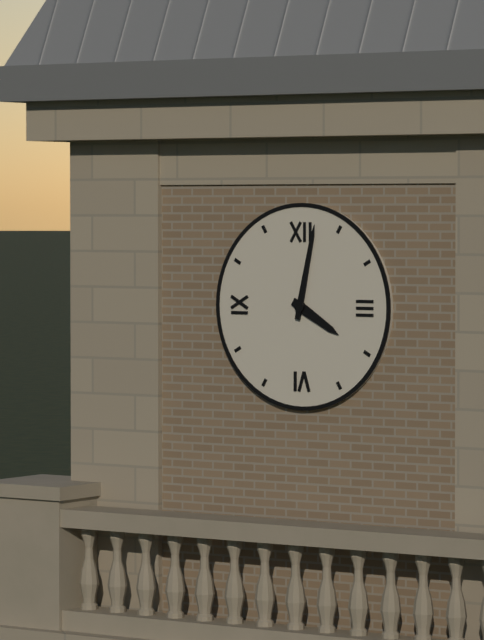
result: 4.02
